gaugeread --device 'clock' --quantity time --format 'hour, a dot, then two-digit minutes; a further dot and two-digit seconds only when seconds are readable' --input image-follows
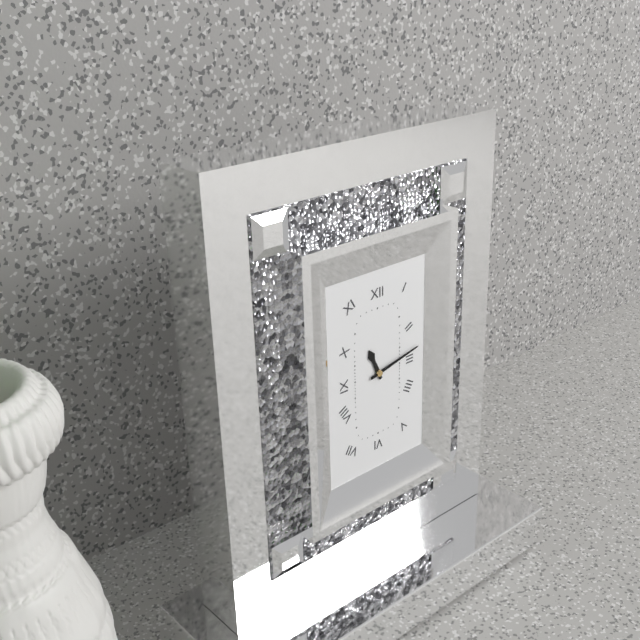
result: 11.13
